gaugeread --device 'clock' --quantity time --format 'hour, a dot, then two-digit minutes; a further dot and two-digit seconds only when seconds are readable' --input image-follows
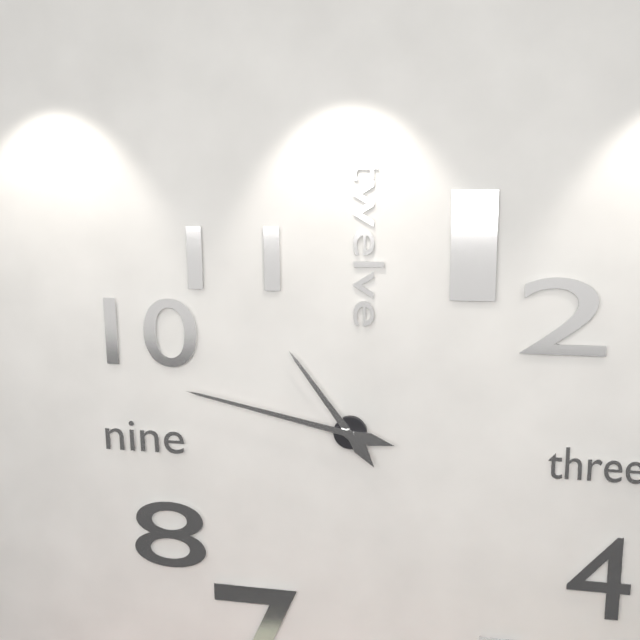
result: 10.47
